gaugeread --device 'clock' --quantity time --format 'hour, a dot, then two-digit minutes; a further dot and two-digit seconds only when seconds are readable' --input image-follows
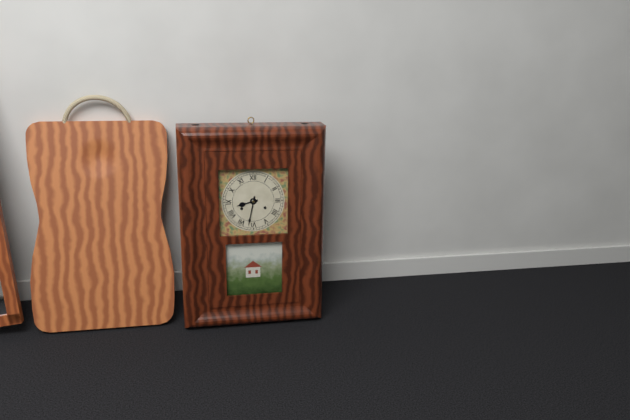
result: 8.32
